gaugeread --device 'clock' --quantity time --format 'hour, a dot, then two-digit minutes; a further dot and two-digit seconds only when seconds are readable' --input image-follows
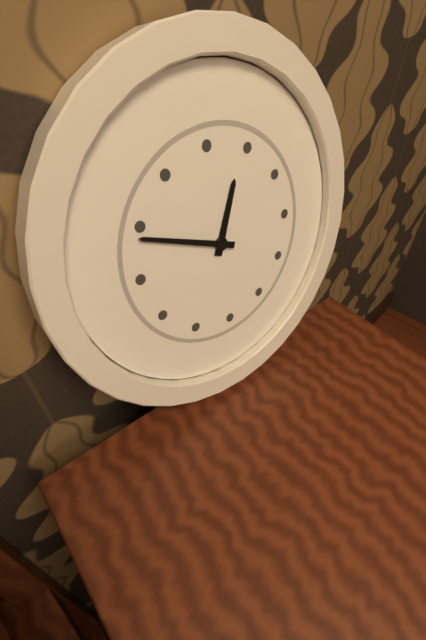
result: 12.49
